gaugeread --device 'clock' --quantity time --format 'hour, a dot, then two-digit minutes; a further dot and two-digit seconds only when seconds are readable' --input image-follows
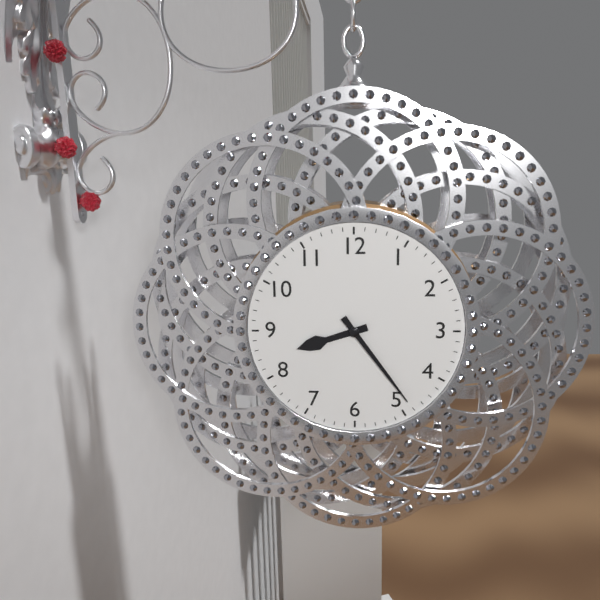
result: 8.24
